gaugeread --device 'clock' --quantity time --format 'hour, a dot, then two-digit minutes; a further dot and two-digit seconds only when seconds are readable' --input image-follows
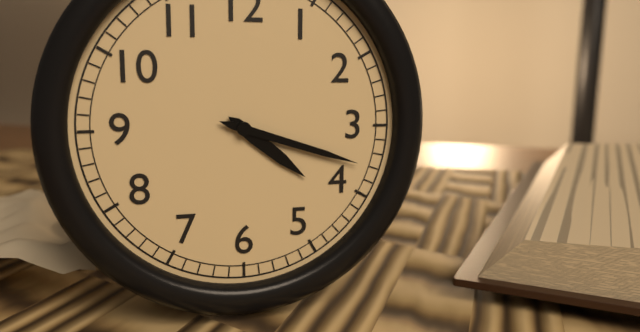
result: 4.18
